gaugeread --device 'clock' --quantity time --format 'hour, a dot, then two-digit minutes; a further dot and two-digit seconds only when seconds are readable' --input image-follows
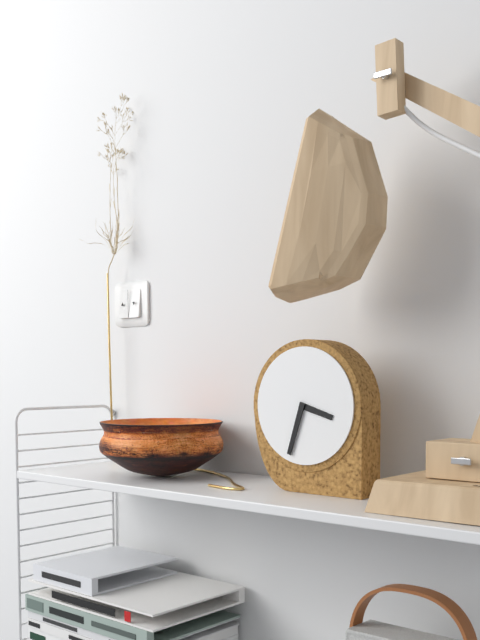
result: 3.33
